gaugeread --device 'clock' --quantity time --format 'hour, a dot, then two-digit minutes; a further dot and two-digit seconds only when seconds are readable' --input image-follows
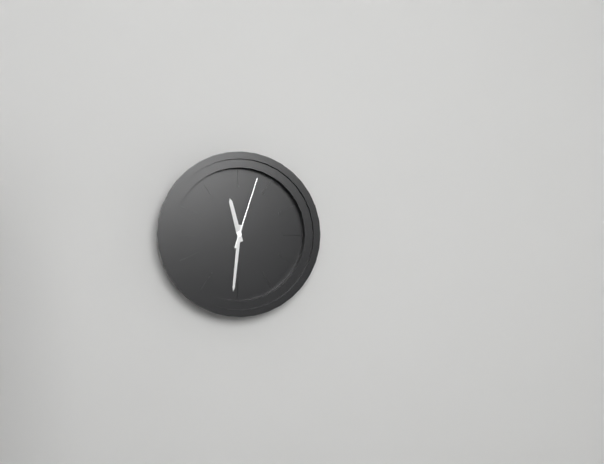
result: 11.31.03
